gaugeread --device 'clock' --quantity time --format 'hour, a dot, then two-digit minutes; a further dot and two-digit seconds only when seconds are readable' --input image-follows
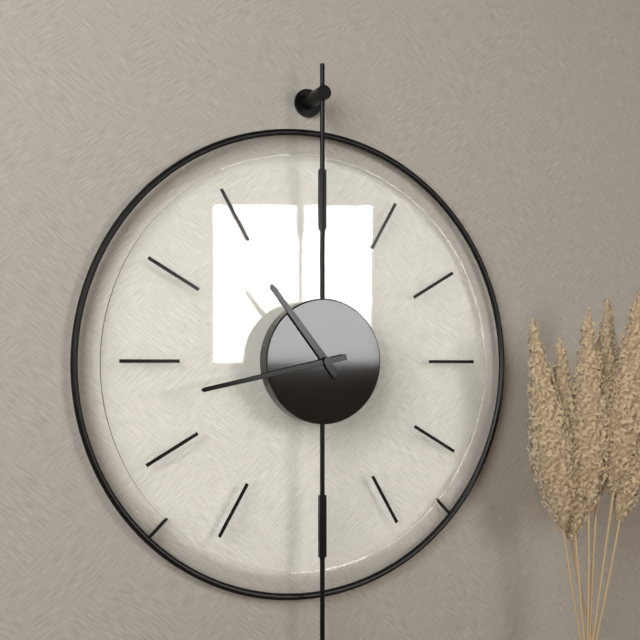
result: 10.43
